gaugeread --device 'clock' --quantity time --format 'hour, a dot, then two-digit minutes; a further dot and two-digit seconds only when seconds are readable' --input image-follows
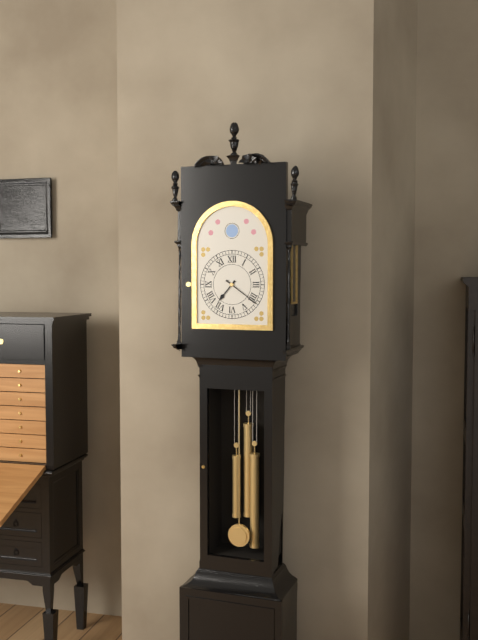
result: 7.21
